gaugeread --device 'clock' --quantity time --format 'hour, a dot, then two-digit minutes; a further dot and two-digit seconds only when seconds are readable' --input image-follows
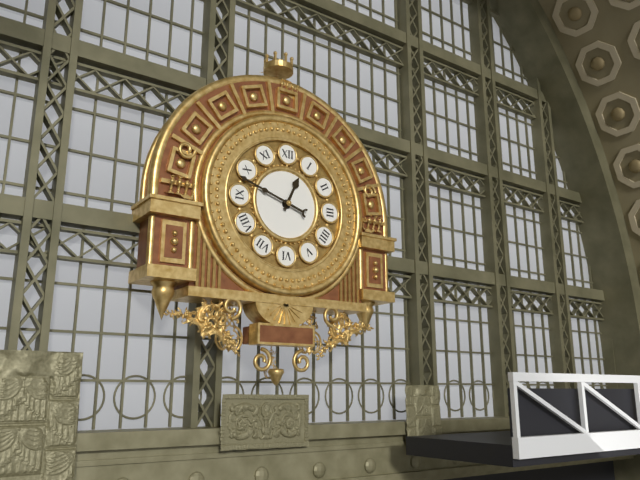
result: 12.48
